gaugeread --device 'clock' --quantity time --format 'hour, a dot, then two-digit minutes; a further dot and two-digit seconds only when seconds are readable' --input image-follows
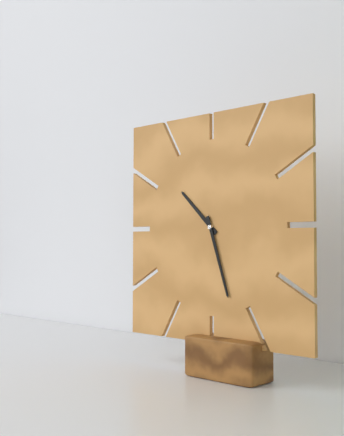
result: 10.27
